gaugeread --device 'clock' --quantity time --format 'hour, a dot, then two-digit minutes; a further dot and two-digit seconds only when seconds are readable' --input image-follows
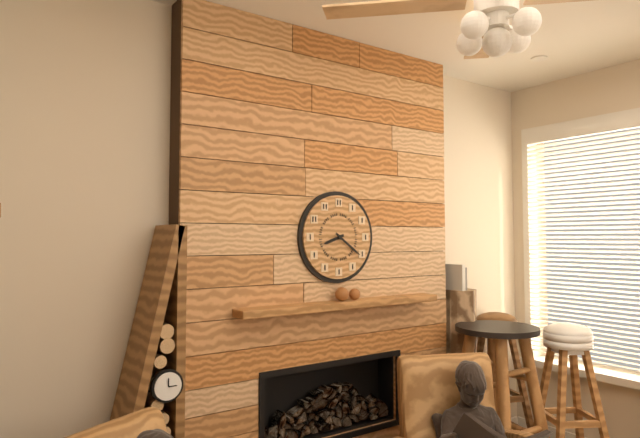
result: 8.21
